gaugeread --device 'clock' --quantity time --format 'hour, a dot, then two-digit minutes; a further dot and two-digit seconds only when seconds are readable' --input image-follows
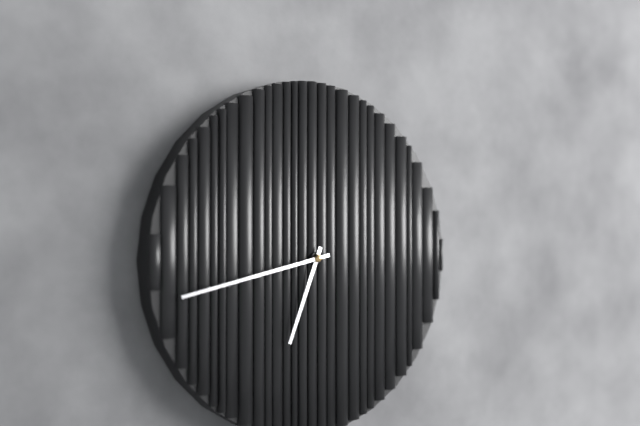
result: 6.43
